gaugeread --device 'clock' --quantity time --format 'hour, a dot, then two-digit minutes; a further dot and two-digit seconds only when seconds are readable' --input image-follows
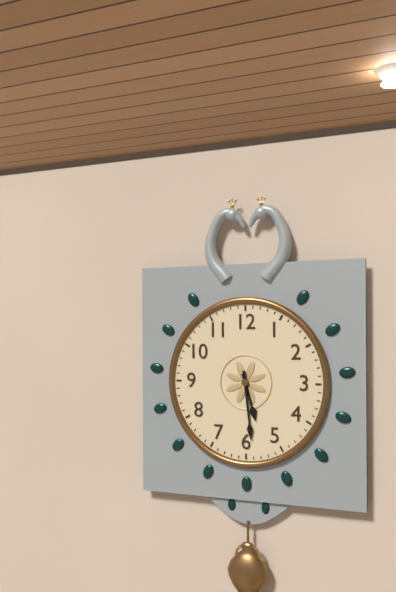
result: 5.29
